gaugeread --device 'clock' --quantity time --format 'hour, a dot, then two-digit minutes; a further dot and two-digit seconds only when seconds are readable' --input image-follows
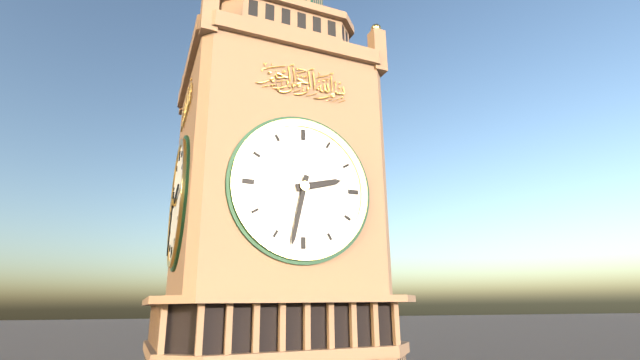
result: 2.32
